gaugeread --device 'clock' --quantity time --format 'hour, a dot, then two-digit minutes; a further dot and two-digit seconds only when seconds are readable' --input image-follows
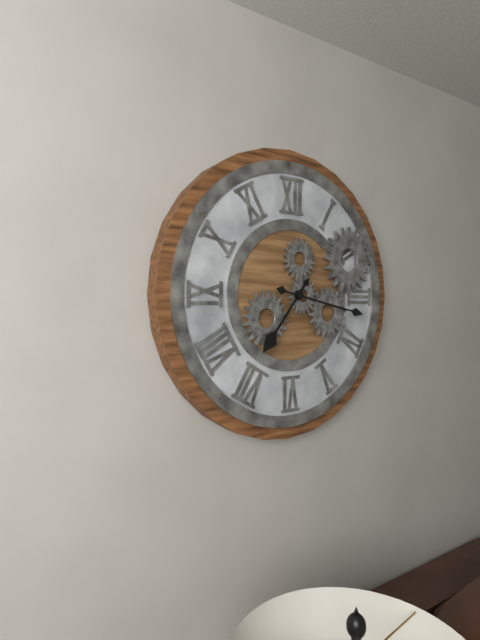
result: 7.17
